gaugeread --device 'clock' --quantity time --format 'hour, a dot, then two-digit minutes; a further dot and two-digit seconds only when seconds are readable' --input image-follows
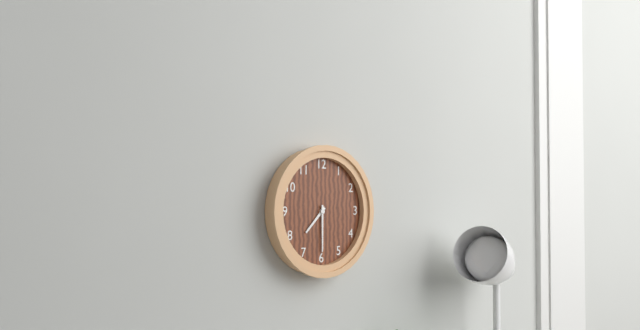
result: 7.30
